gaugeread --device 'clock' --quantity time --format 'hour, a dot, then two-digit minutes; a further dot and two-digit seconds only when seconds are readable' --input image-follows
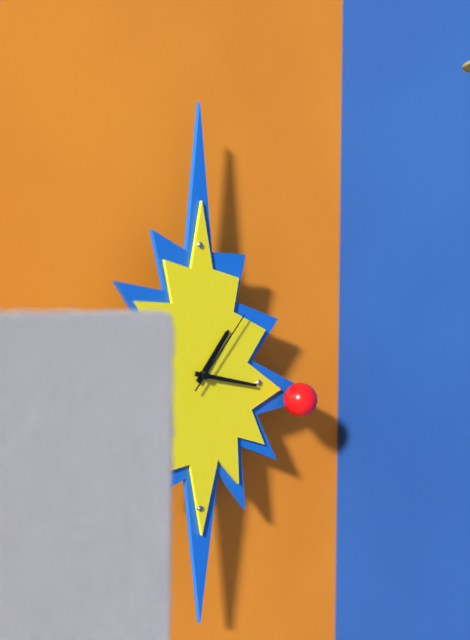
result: 1.17.07
